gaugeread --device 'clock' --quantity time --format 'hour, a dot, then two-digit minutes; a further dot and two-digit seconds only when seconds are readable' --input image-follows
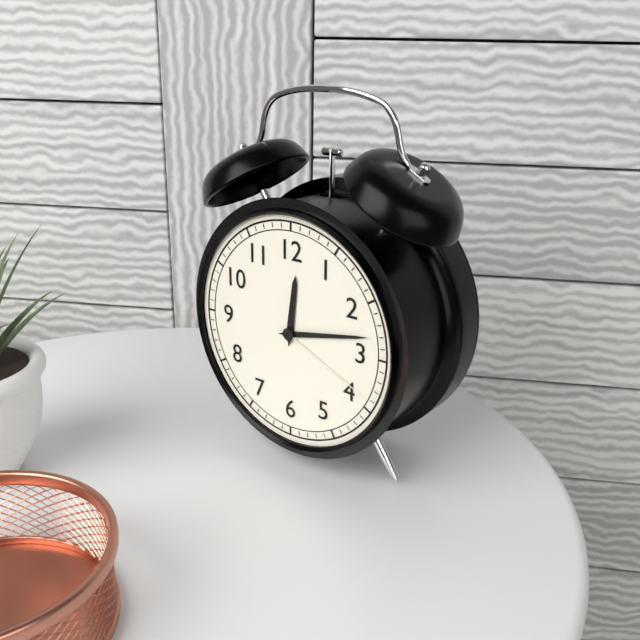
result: 12.13.19
